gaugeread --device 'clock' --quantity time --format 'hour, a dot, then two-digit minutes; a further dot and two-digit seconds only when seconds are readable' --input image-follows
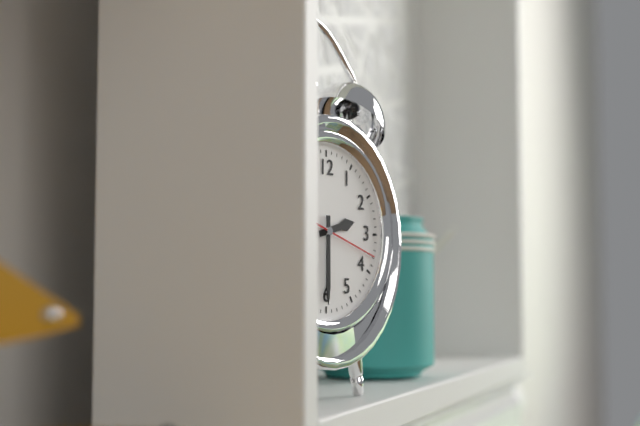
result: 2.30.18
